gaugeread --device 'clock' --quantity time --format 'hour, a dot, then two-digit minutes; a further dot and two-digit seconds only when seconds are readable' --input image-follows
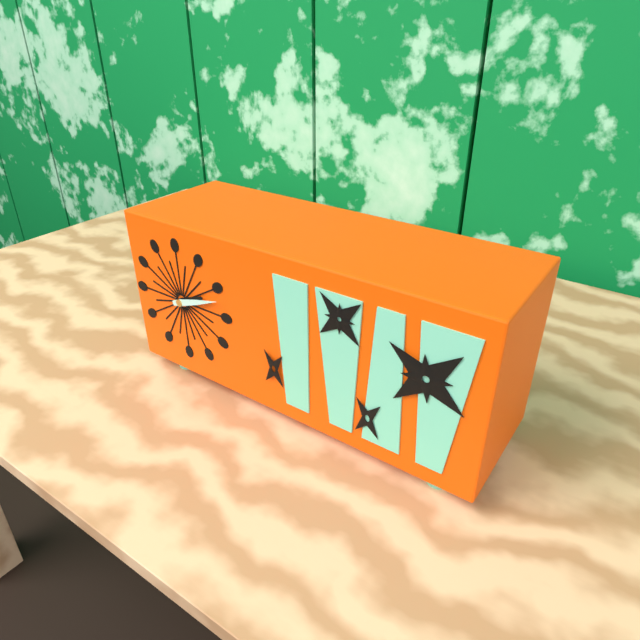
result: 2.12
